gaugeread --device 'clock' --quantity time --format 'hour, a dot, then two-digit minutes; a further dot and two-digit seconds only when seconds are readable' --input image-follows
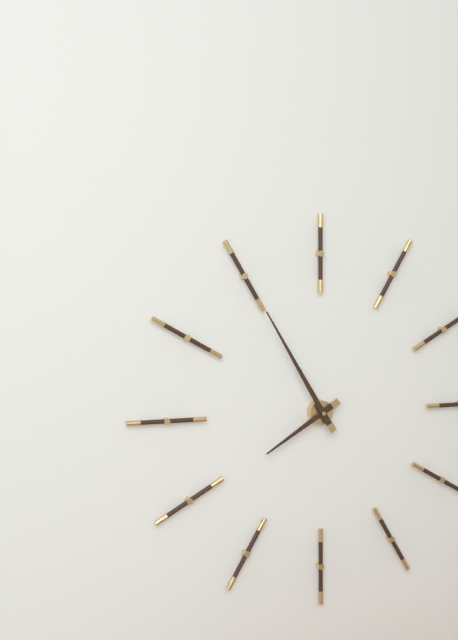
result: 7.55
